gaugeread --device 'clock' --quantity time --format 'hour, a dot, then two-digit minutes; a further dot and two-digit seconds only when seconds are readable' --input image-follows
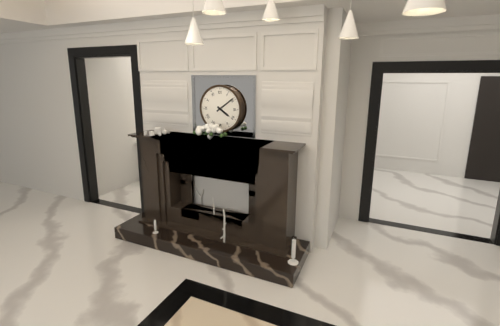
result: 4.09
